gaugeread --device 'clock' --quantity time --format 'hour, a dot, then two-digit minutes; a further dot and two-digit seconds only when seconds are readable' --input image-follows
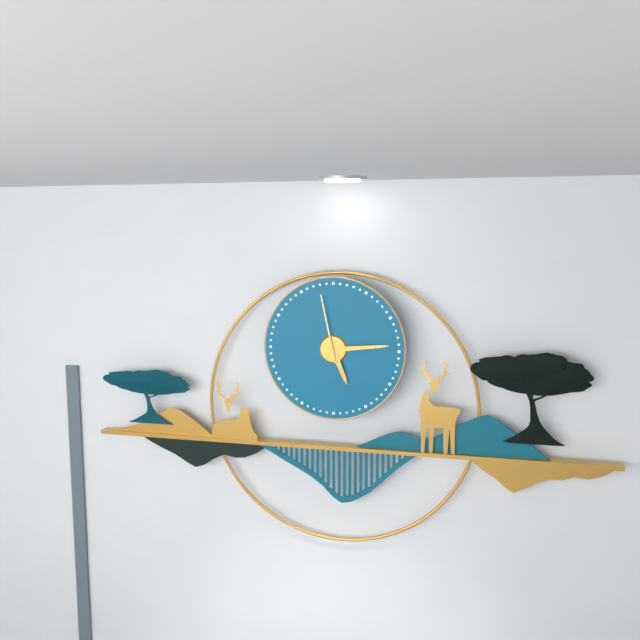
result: 5.14.58
